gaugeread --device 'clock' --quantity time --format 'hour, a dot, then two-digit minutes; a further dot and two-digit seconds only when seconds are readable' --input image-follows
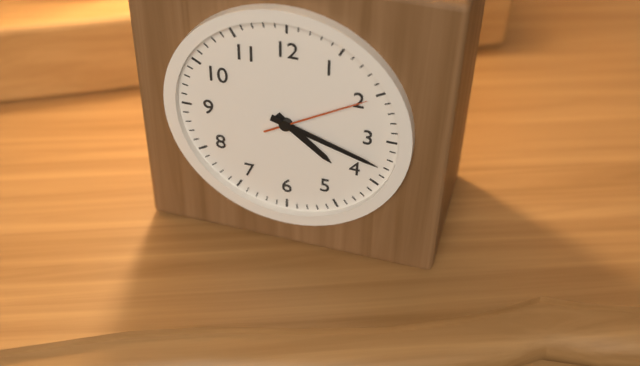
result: 4.18.10
